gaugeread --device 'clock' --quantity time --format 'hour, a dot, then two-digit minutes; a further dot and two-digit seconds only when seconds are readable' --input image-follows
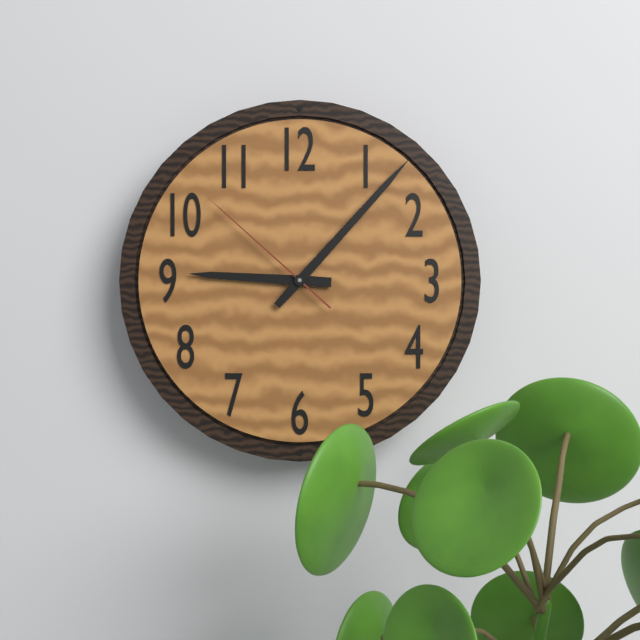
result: 9.07.52
